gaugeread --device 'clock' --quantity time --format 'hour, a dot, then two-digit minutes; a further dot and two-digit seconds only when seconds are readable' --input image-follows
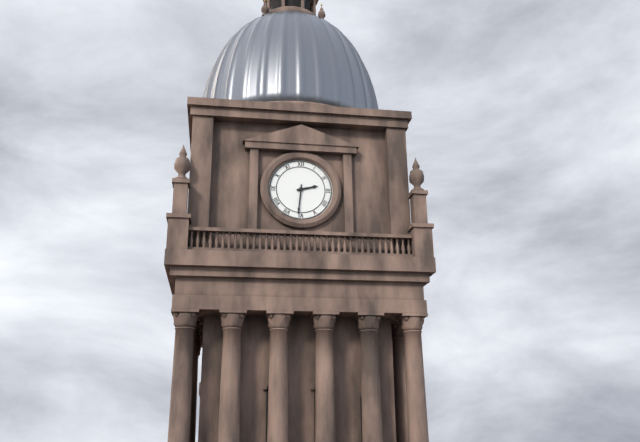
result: 2.31
